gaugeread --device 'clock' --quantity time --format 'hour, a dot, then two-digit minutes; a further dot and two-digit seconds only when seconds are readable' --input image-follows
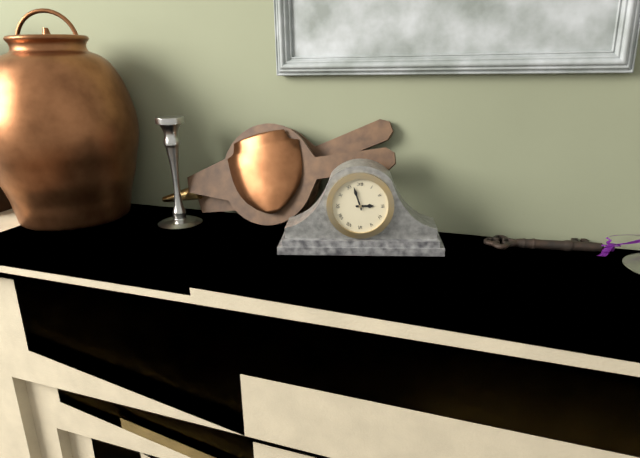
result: 2.57
